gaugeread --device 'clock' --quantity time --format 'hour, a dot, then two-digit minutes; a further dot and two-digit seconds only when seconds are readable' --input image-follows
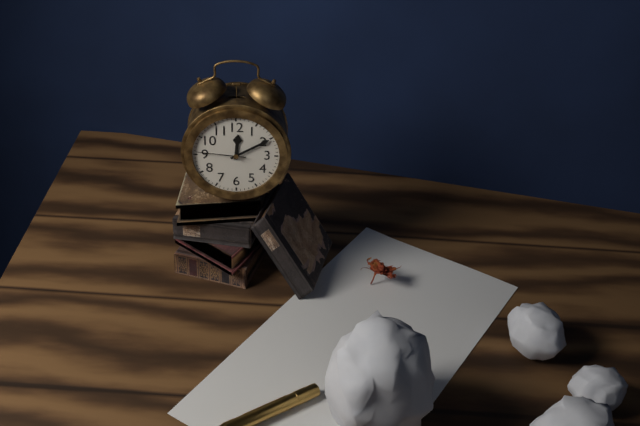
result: 12.10.46
